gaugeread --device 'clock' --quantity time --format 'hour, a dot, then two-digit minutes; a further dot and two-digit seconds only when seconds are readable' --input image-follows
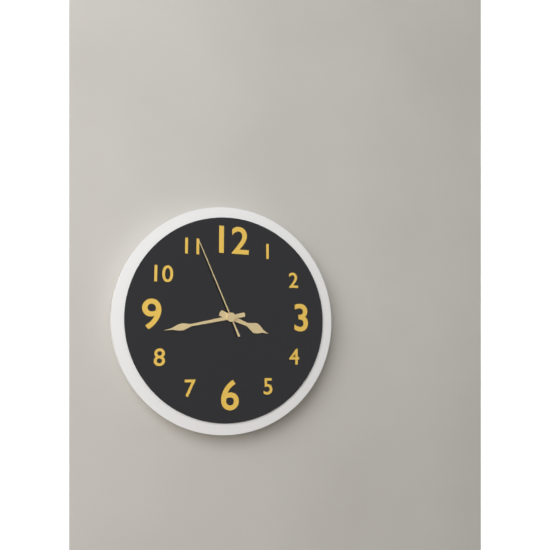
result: 3.43.56
